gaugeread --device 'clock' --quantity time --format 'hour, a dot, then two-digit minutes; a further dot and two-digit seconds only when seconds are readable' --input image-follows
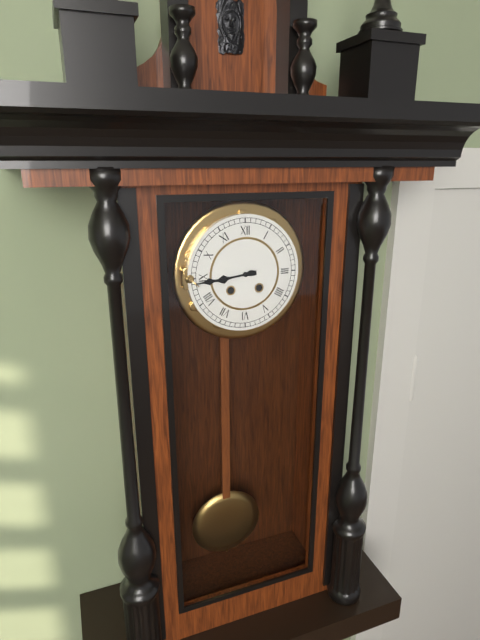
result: 8.44
